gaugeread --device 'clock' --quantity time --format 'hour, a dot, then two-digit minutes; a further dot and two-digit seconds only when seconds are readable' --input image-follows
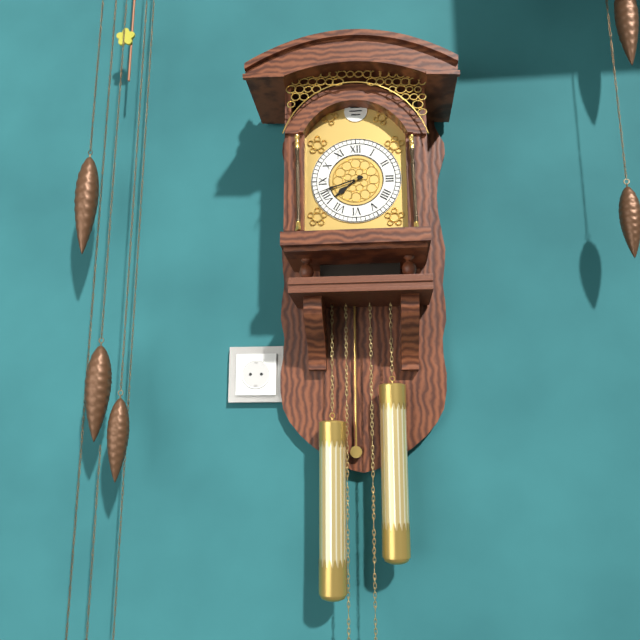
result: 7.42
